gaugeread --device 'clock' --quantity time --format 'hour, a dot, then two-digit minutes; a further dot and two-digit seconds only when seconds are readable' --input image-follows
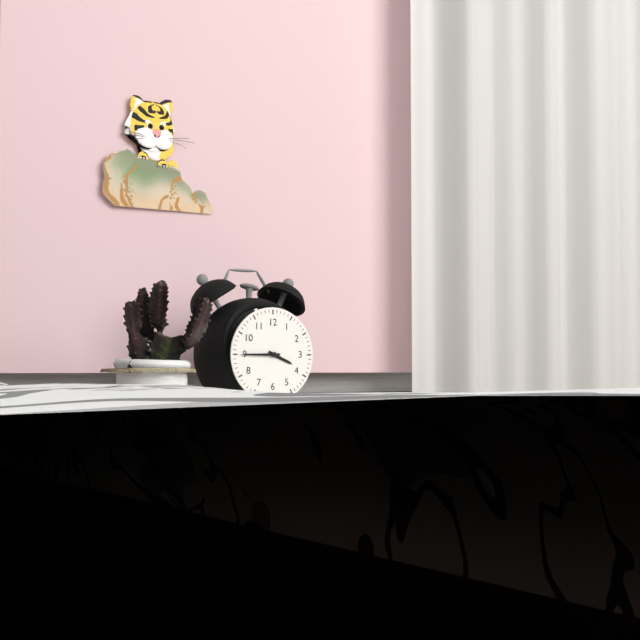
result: 3.45
